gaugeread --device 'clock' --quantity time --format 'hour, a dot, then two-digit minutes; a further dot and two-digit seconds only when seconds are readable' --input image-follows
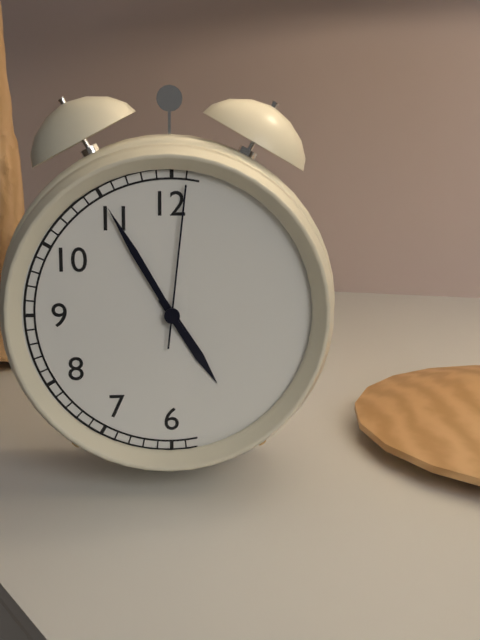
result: 4.55.01
